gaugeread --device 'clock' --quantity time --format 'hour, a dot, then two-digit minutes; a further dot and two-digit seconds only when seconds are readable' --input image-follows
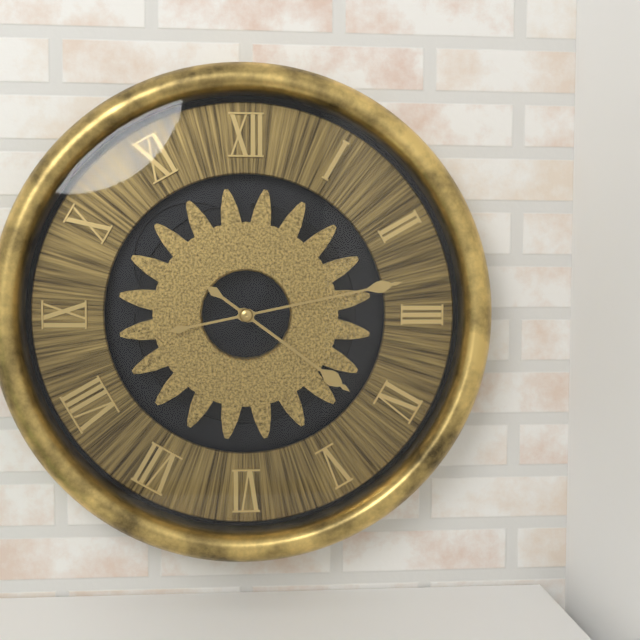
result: 4.13
